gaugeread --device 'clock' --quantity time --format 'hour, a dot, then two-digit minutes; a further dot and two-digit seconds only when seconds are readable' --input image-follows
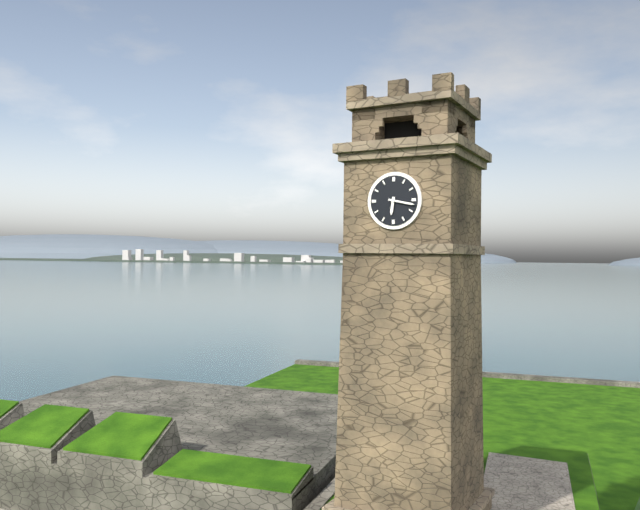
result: 6.17
